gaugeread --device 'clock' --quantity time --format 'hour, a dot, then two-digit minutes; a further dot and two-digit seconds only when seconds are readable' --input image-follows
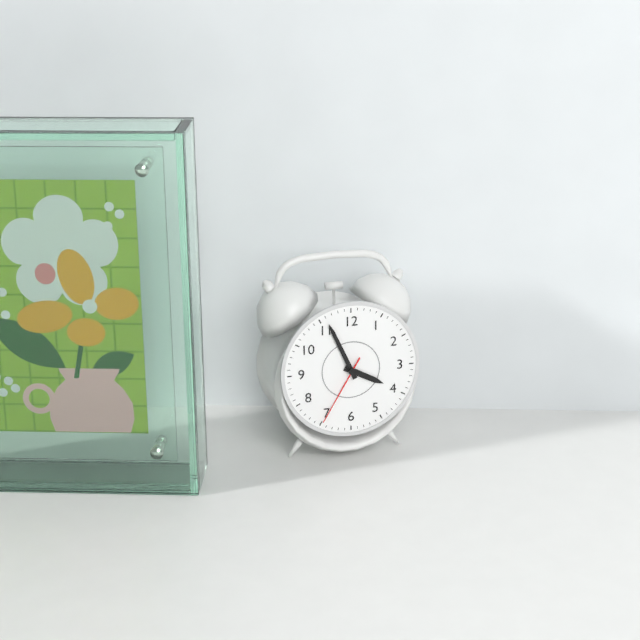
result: 3.56.35
